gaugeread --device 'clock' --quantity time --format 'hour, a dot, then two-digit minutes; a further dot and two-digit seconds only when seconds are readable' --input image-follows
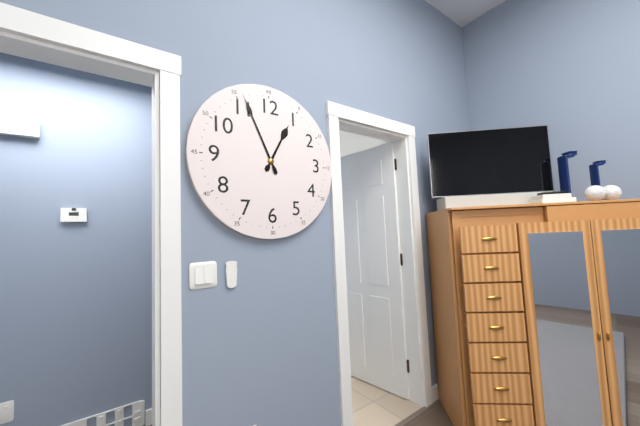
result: 12.56
